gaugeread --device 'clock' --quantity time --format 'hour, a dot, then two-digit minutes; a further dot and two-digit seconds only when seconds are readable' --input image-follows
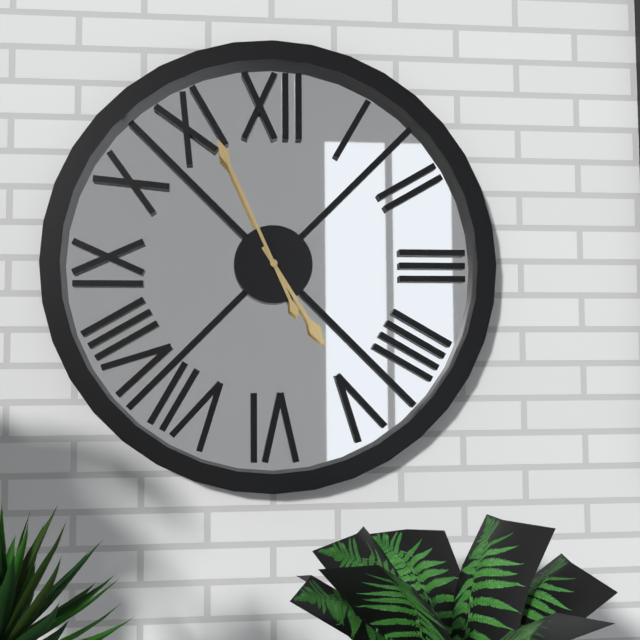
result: 4.56
